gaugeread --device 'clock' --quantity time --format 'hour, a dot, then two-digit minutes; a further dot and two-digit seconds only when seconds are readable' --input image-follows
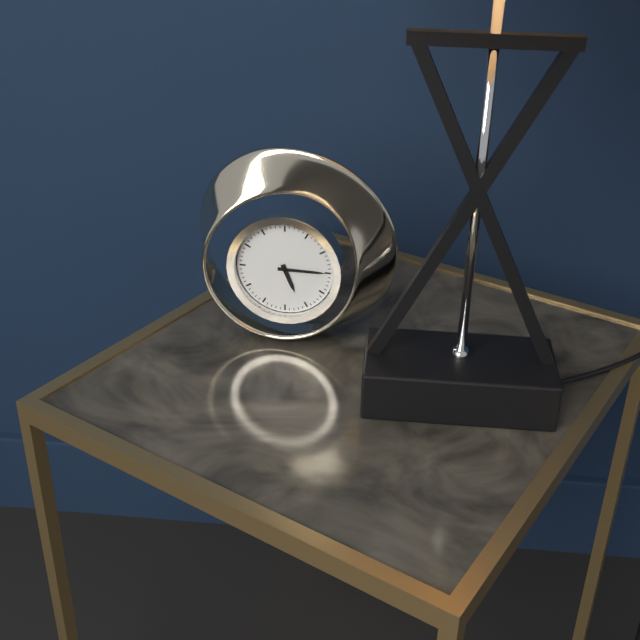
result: 5.15
